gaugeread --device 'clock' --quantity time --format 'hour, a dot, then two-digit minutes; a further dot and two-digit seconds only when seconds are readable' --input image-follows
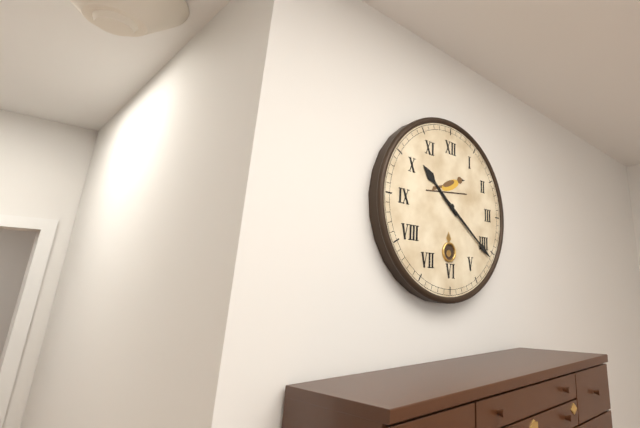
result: 10.21
